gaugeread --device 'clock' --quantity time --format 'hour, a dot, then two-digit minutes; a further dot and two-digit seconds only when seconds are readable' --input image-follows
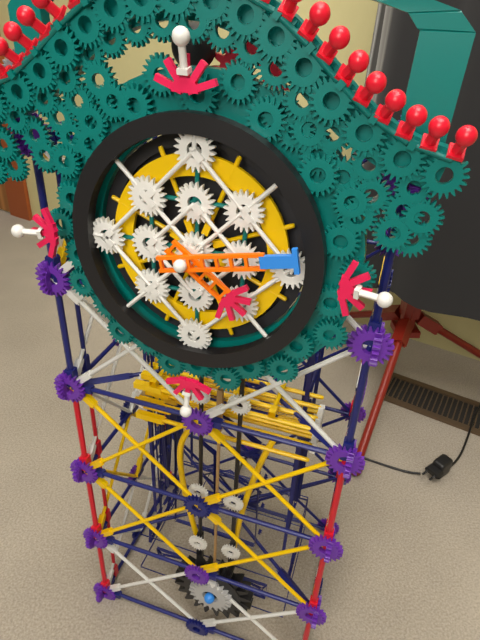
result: 4.13
